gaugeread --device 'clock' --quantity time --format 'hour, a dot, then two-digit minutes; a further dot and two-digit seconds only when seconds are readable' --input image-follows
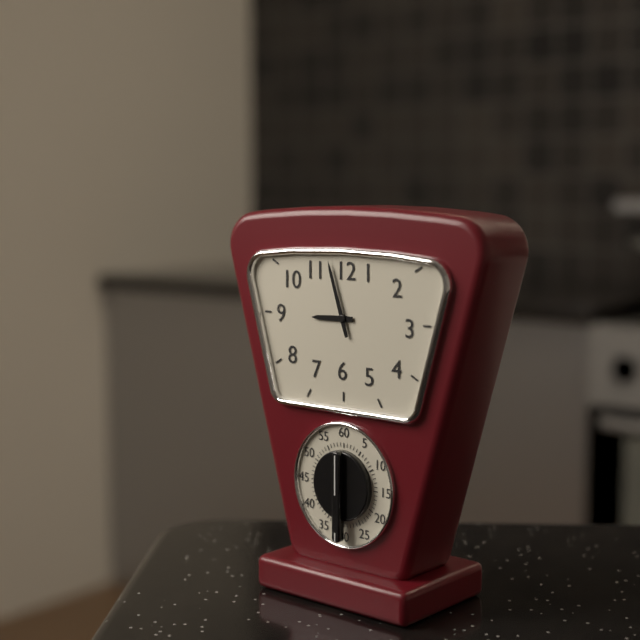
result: 8.57
